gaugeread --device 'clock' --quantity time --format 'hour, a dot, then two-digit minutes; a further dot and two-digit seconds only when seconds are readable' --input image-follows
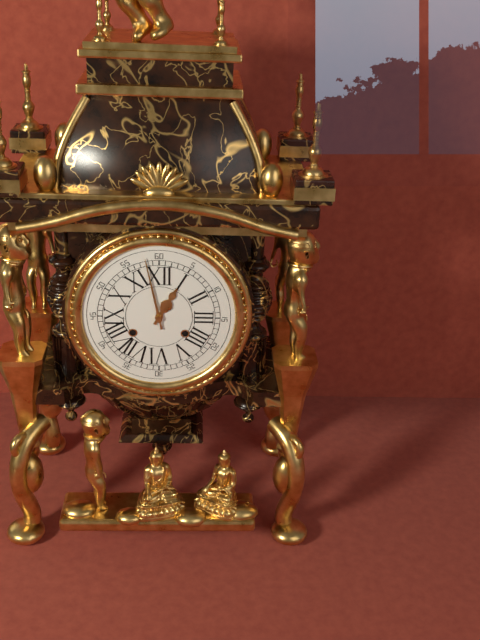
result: 12.58
